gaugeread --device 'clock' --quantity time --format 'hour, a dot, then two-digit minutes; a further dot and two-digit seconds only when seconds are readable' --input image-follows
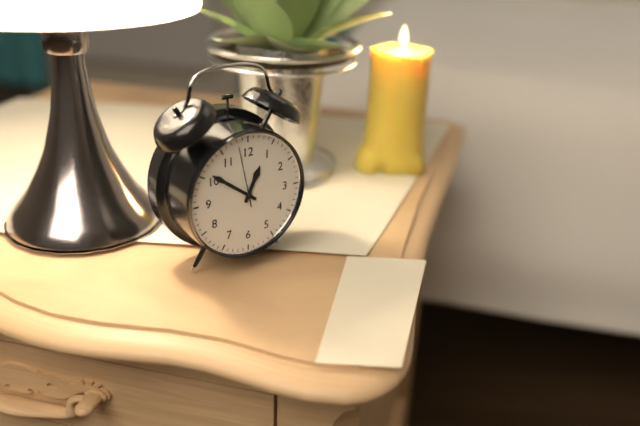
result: 12.51.58
